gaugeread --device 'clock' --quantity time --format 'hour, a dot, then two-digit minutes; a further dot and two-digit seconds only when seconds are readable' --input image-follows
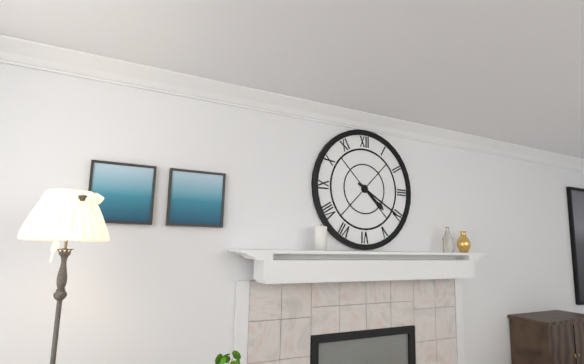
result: 4.20
